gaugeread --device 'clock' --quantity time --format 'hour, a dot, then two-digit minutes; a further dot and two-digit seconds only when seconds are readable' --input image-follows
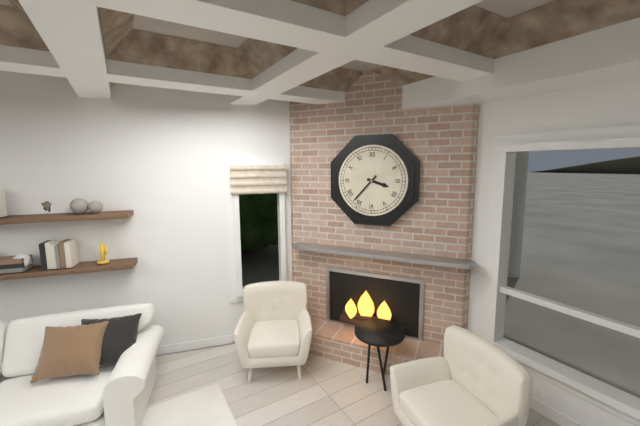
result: 3.37
